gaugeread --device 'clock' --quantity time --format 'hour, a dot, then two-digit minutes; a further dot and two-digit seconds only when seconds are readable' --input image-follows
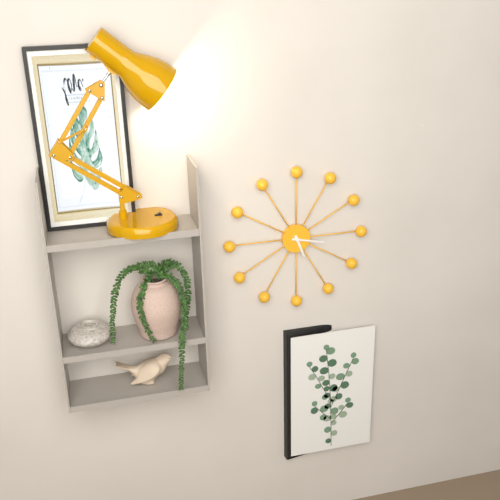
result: 5.17
